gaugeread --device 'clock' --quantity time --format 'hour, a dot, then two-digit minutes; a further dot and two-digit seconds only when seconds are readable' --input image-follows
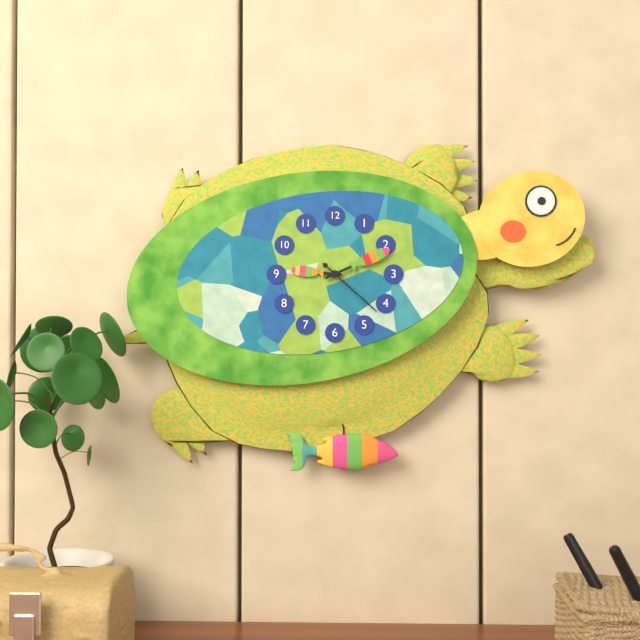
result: 9.11.22
